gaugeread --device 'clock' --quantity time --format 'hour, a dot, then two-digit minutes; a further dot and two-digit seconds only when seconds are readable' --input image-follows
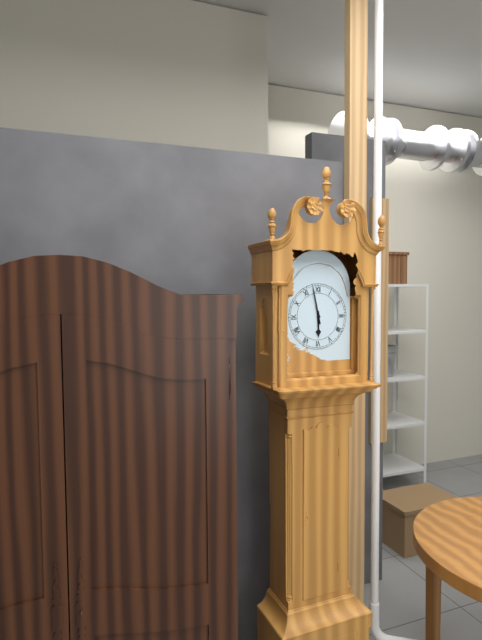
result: 5.58
